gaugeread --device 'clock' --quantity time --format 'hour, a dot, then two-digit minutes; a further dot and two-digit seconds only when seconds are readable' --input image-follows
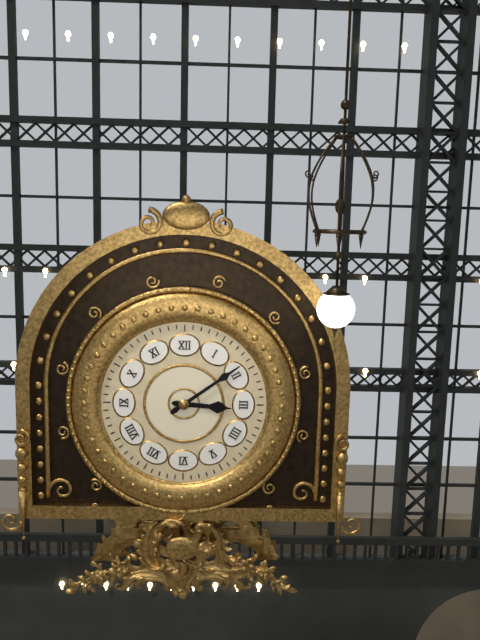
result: 3.09
